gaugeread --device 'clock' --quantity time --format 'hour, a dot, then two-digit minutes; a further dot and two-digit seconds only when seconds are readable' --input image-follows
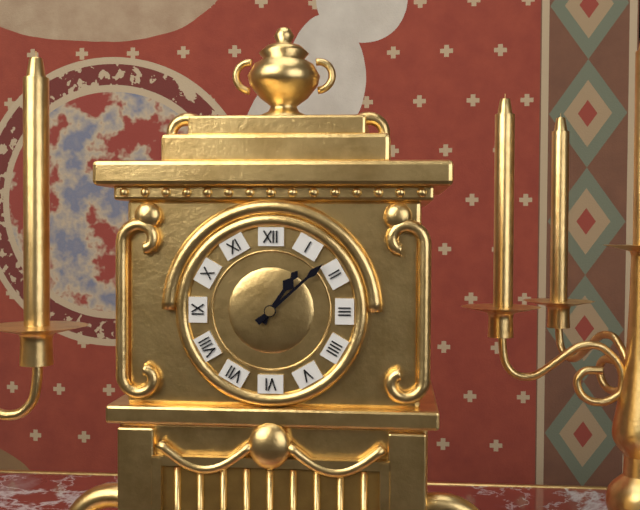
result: 1.08
